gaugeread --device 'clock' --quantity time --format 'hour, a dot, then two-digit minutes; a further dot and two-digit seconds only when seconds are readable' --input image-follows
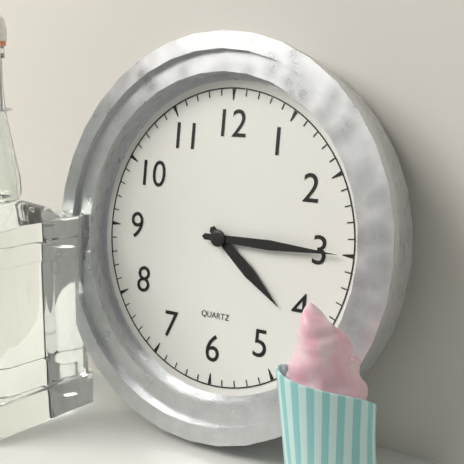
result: 4.15
